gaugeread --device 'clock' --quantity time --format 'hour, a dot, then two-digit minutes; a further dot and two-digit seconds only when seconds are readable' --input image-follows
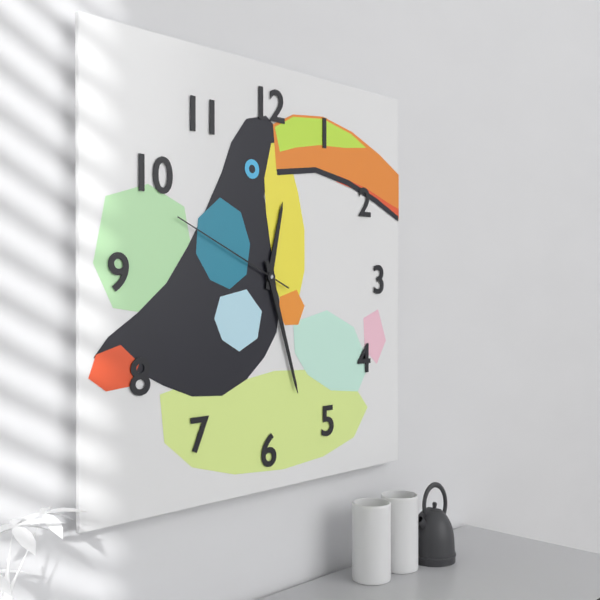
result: 12.27.49
